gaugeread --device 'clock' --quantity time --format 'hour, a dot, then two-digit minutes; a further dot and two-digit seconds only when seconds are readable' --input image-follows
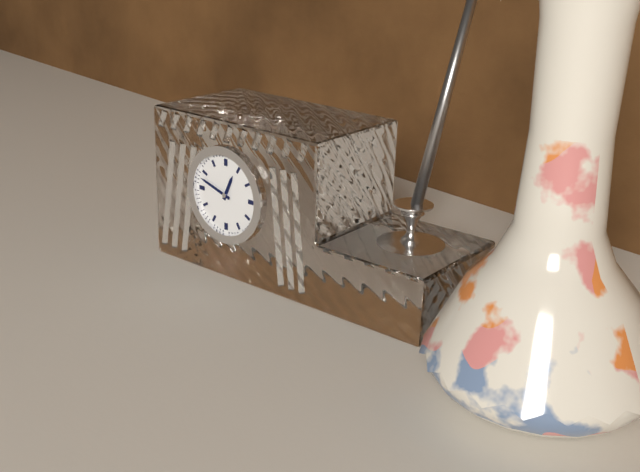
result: 12.48
